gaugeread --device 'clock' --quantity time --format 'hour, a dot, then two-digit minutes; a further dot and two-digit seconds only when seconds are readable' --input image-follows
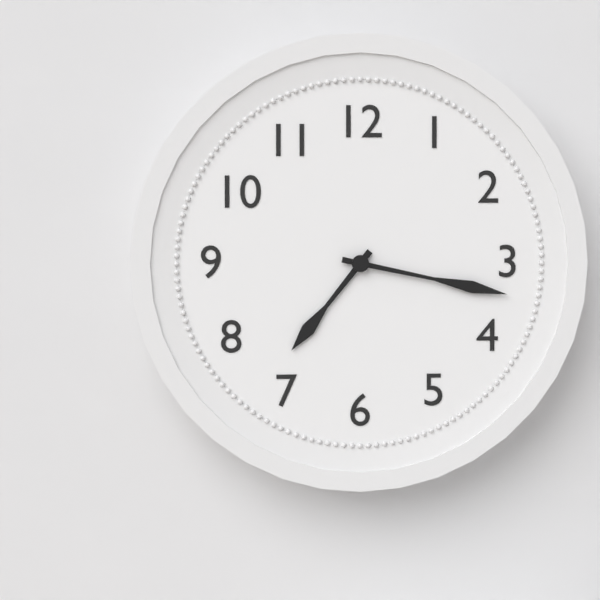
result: 7.17
